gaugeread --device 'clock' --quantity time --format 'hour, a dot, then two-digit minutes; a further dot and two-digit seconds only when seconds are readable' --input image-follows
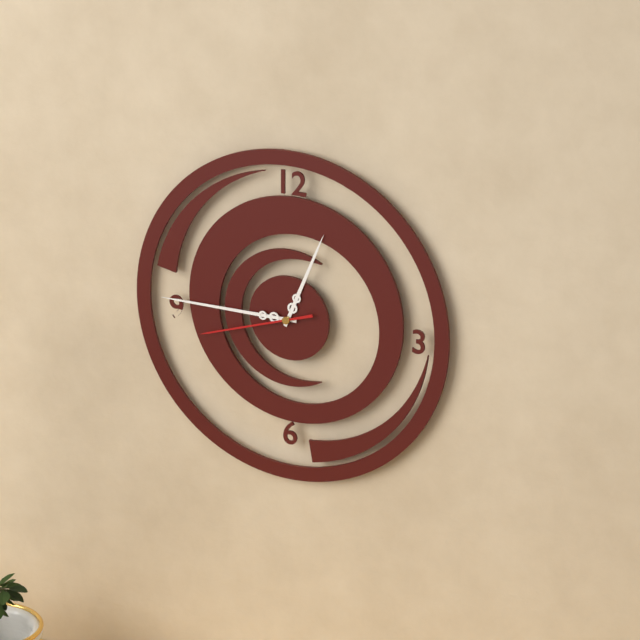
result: 12.45.42
